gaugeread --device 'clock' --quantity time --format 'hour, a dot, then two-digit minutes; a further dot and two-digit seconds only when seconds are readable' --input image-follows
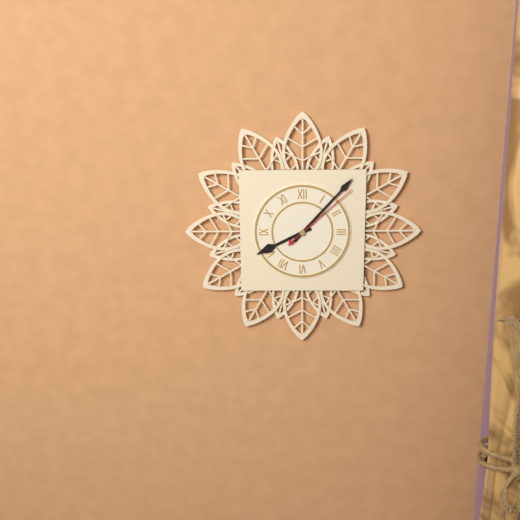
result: 8.07.08
